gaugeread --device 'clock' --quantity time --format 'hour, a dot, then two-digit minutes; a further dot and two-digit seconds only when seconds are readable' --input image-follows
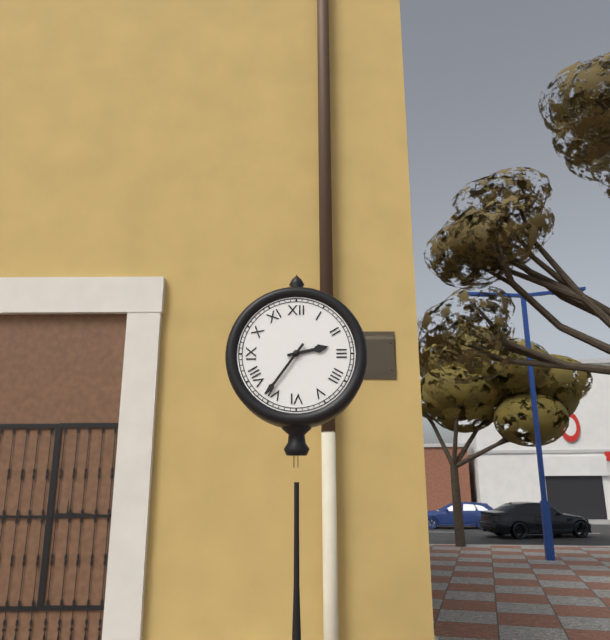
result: 2.36
